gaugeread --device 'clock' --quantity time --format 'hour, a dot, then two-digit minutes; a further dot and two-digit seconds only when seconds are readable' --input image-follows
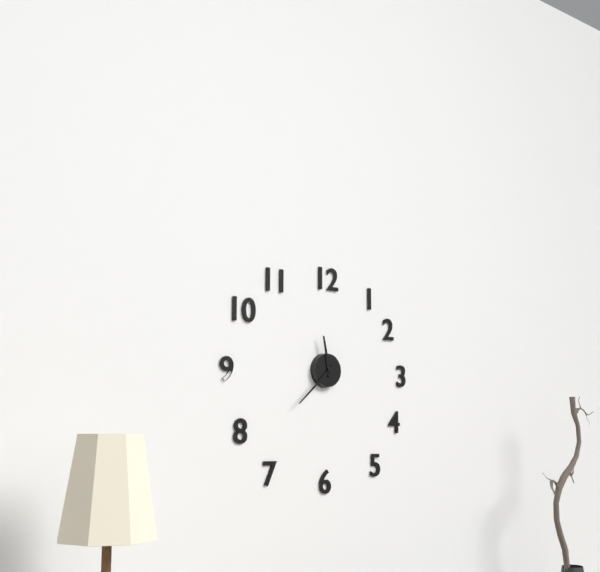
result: 11.38
